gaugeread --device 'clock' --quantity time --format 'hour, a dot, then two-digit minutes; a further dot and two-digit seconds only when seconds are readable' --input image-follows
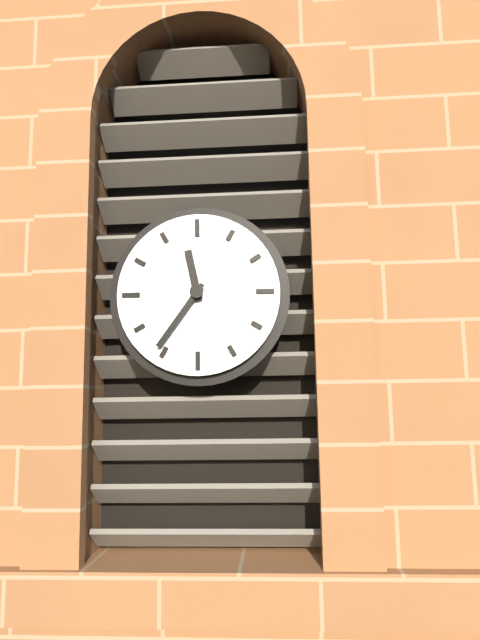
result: 11.36
